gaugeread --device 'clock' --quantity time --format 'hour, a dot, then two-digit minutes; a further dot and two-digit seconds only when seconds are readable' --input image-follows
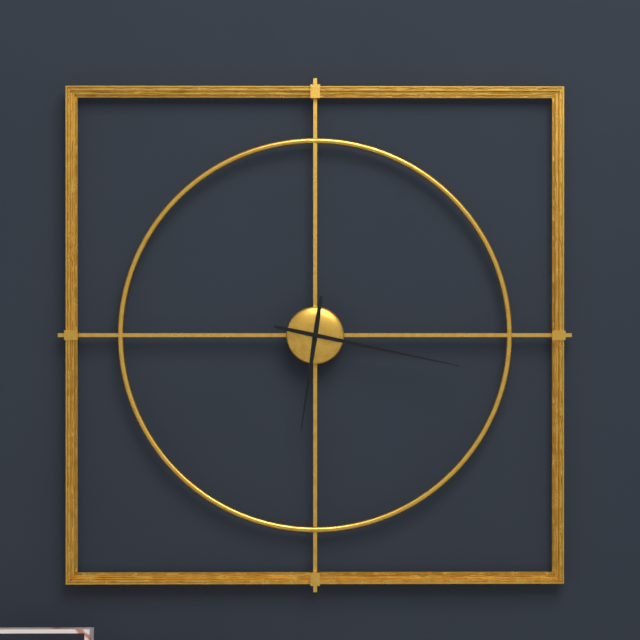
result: 6.17
